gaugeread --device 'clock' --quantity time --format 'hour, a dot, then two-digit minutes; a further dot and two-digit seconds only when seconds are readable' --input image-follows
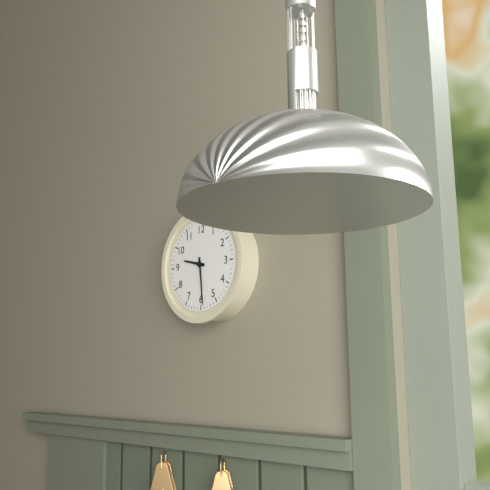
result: 9.29
